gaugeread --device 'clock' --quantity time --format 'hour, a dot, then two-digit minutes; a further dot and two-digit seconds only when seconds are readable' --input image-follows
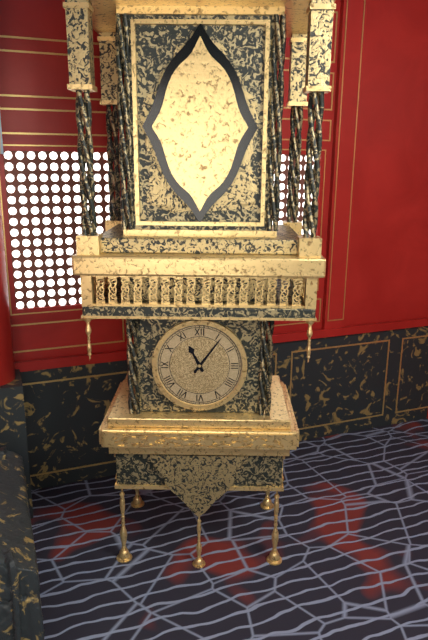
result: 11.06
